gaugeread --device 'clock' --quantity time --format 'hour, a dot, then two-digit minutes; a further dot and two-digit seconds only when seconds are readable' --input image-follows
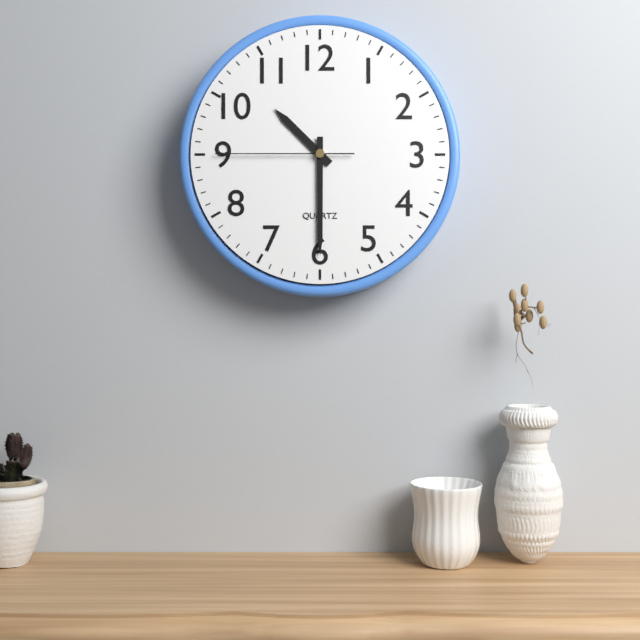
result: 10.30.45
